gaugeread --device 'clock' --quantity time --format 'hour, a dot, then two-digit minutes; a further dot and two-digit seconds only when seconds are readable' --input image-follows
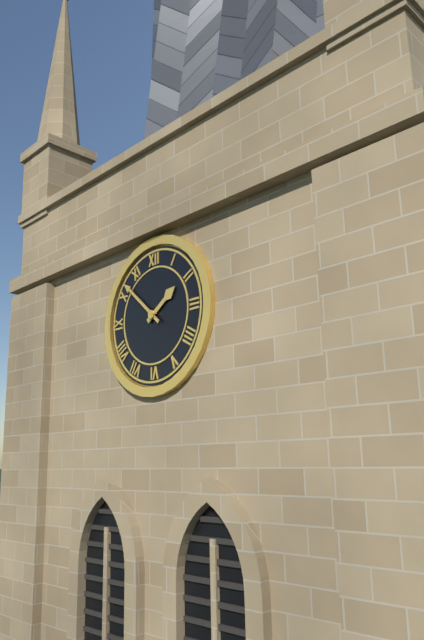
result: 1.52
